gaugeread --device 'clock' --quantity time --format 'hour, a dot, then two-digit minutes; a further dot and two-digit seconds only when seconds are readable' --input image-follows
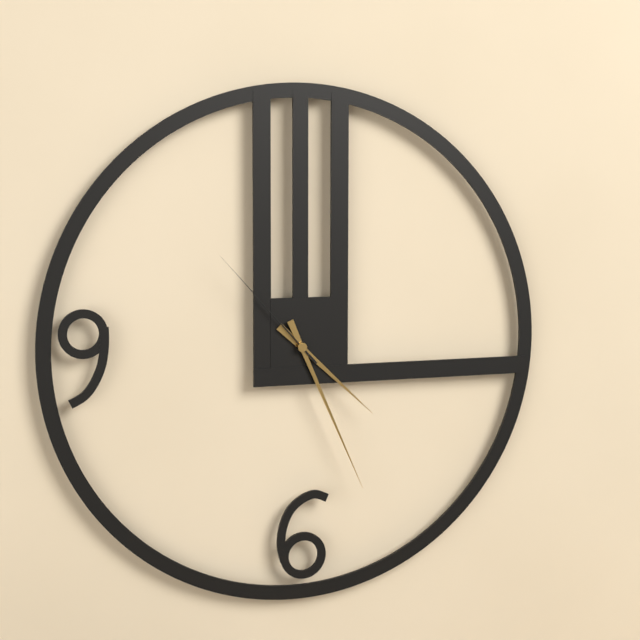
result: 4.26.53
